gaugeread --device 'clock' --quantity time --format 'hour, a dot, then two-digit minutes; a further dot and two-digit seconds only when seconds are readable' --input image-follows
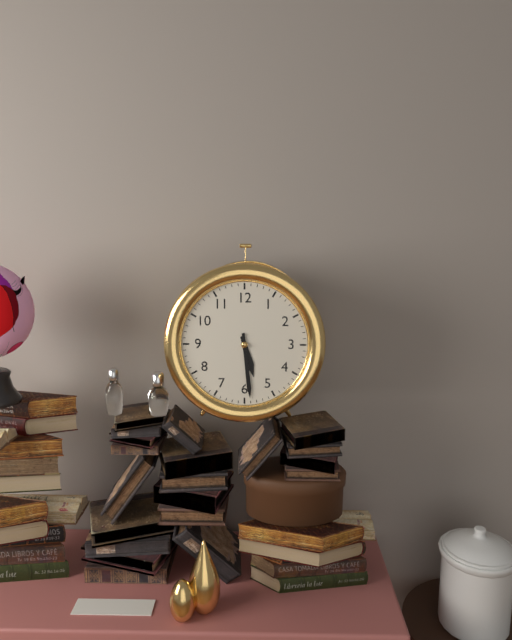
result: 5.29
